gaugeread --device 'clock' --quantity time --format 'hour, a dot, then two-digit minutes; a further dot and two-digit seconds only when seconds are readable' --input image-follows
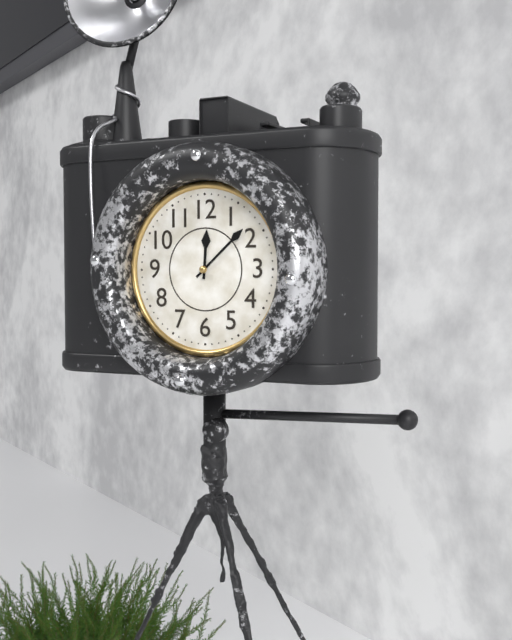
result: 12.08
